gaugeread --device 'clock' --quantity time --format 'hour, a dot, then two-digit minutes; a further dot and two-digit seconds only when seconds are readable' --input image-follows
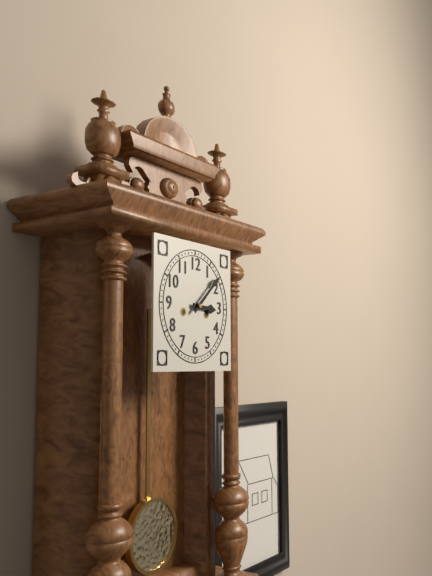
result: 3.08
